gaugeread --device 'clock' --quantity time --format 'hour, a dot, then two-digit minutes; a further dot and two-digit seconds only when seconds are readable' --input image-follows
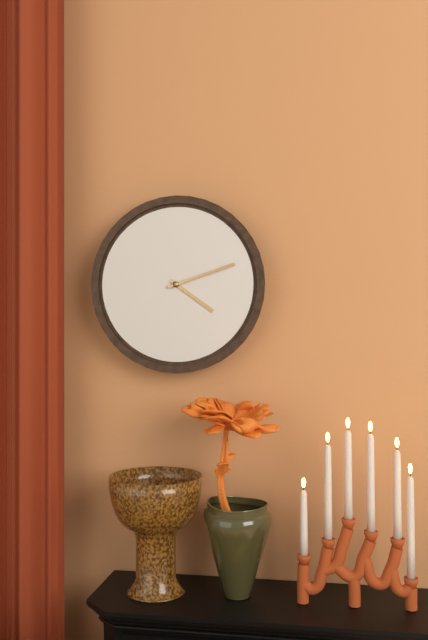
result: 4.12
